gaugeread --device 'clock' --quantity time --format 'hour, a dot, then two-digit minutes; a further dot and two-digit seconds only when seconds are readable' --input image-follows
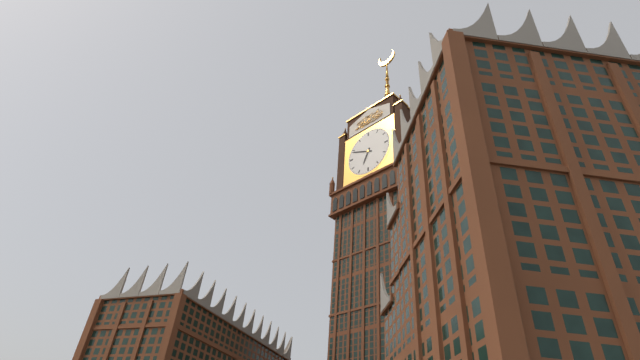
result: 6.49
